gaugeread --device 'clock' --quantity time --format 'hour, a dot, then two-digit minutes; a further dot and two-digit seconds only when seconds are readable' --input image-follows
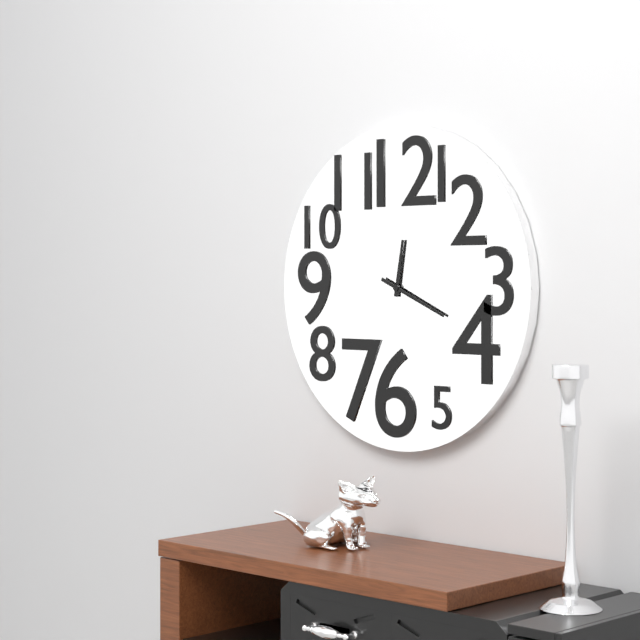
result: 12.19
